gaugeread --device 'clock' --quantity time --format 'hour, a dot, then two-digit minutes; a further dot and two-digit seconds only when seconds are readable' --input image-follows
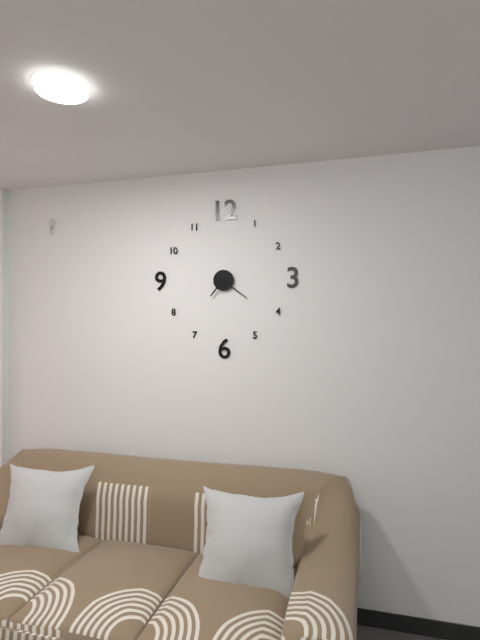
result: 7.21
